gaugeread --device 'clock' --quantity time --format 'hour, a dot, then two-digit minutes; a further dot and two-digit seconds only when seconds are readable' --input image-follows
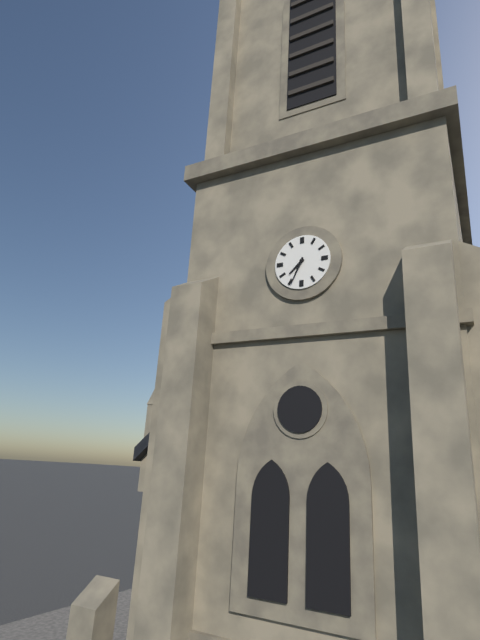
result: 7.34
